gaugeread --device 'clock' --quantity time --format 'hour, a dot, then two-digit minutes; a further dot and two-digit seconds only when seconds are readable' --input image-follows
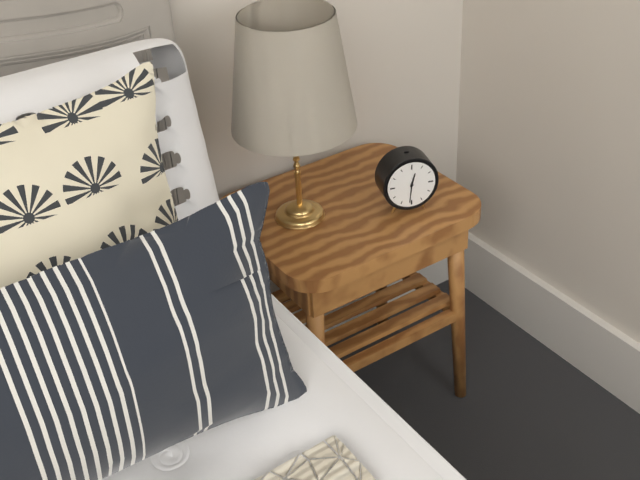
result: 12.31
